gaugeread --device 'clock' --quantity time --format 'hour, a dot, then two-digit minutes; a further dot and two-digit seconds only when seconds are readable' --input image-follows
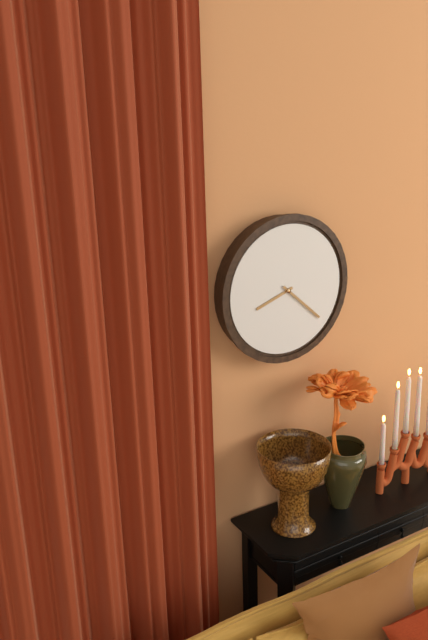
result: 8.22
